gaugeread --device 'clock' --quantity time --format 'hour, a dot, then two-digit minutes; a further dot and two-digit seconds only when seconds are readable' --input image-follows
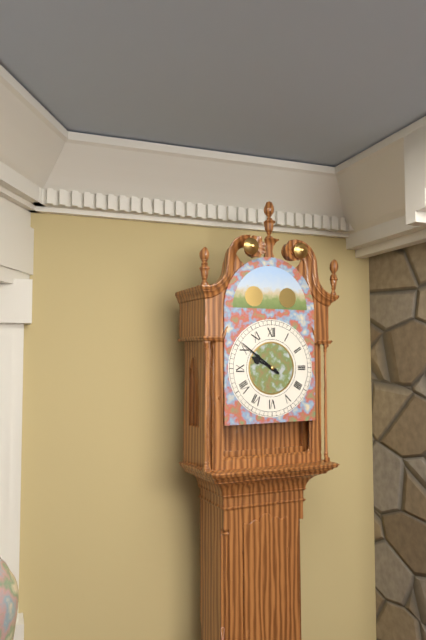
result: 9.51
